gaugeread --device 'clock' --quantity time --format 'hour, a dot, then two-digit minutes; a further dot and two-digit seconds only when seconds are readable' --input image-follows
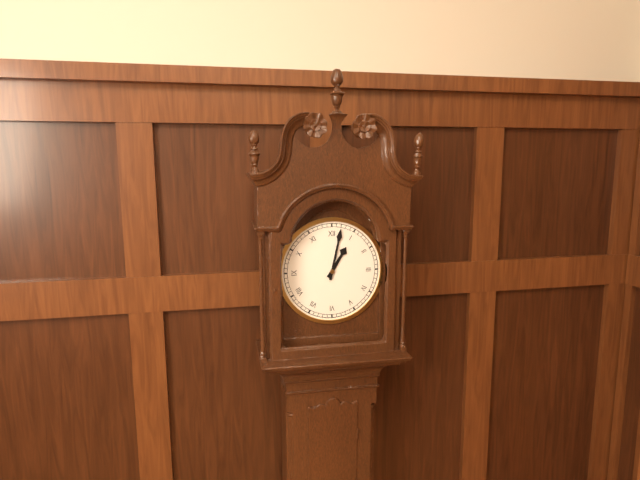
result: 1.02
